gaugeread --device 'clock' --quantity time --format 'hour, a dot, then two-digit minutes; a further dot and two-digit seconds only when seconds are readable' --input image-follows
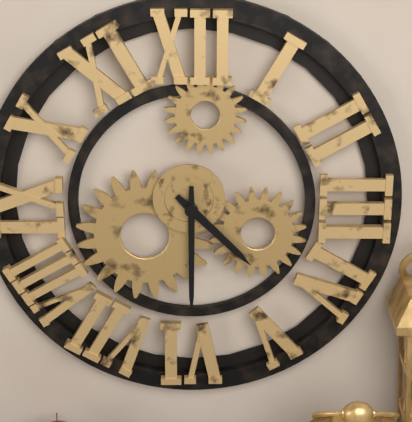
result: 4.30
